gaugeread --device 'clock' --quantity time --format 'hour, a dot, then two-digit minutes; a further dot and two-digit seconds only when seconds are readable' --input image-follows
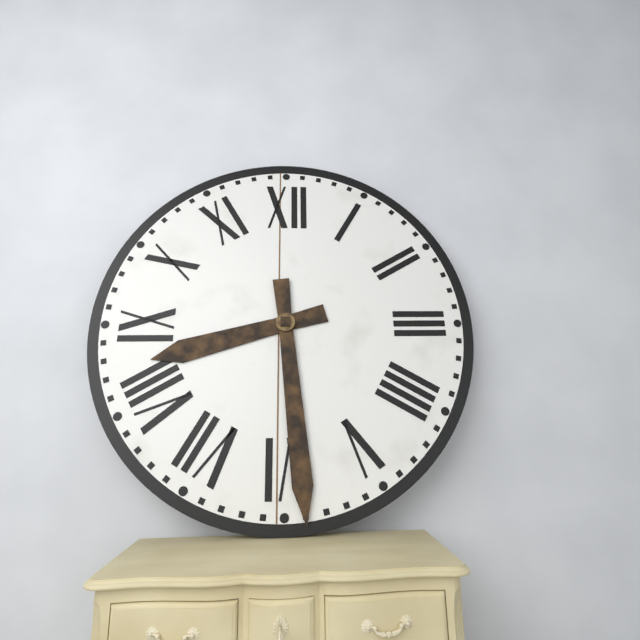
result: 8.29
